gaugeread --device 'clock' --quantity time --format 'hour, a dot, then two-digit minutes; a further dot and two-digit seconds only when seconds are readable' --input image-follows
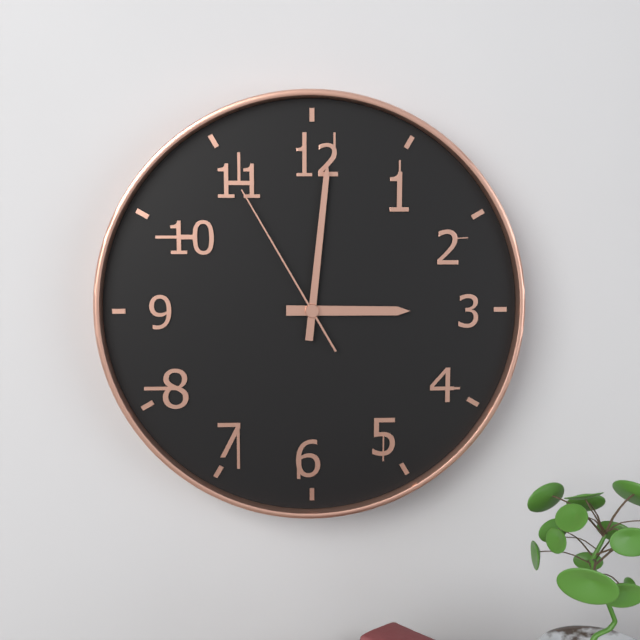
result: 3.01.55
